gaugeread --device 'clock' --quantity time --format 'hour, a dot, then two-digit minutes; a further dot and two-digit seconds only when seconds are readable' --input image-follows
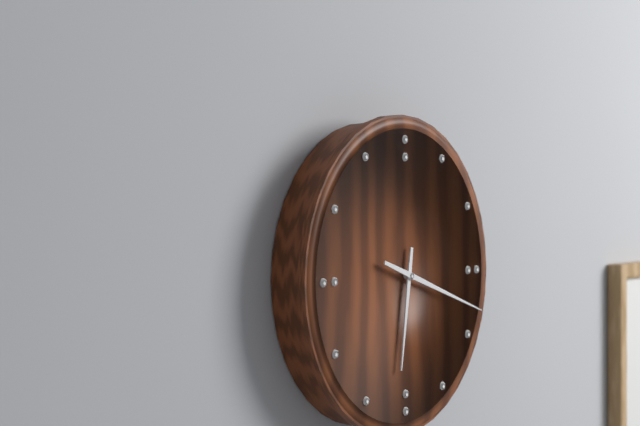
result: 6.18
